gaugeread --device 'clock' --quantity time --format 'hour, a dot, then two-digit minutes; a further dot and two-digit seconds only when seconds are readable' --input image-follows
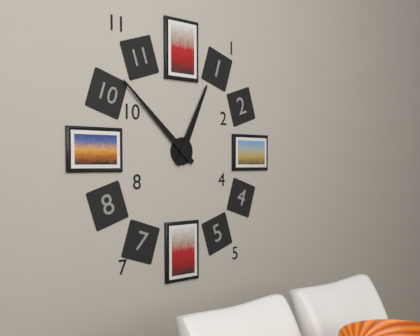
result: 12.52
